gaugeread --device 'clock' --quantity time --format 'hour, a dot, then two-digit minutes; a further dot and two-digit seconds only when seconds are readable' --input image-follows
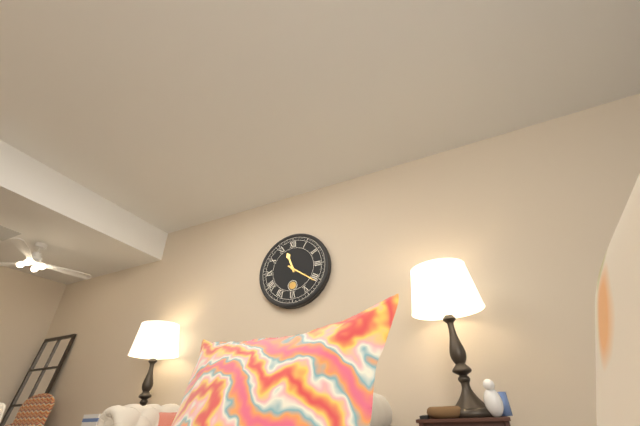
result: 11.21
